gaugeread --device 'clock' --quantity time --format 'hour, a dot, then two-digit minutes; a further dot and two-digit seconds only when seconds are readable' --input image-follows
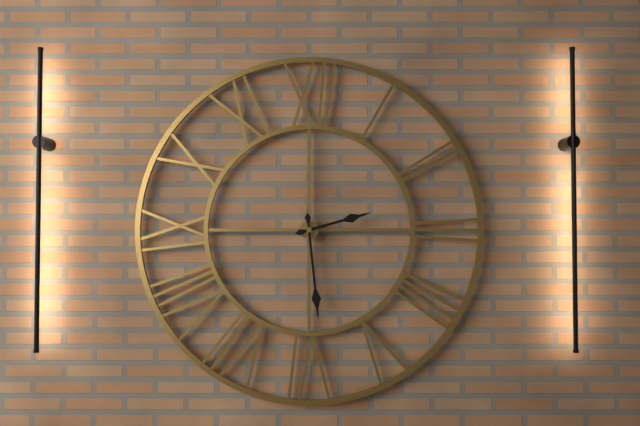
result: 2.29
